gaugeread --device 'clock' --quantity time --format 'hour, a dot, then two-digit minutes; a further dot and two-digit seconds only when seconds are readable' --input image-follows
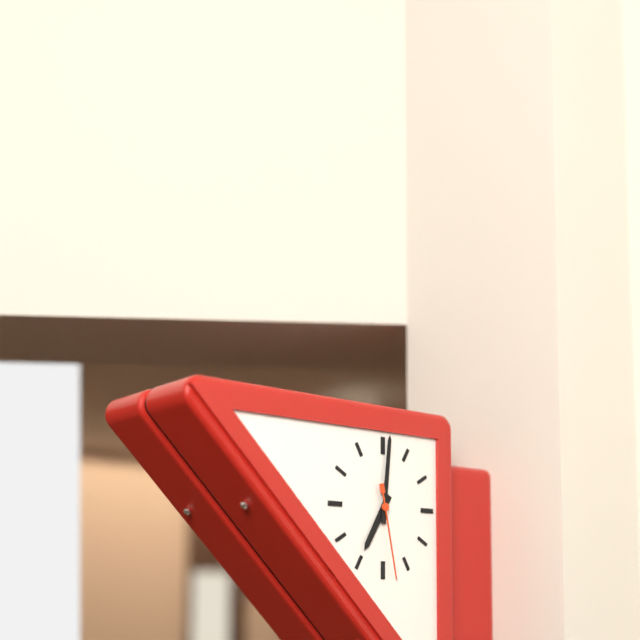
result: 7.01.28
